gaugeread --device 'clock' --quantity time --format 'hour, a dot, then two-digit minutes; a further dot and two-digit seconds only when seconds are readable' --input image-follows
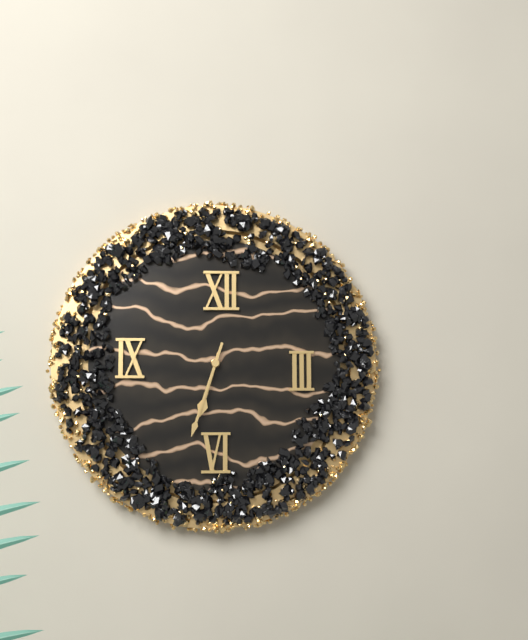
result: 6.33
